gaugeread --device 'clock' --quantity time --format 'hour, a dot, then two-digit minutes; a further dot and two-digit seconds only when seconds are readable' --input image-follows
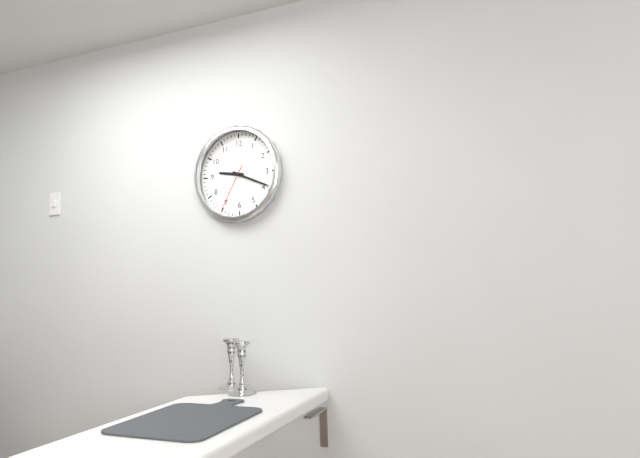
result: 9.19
